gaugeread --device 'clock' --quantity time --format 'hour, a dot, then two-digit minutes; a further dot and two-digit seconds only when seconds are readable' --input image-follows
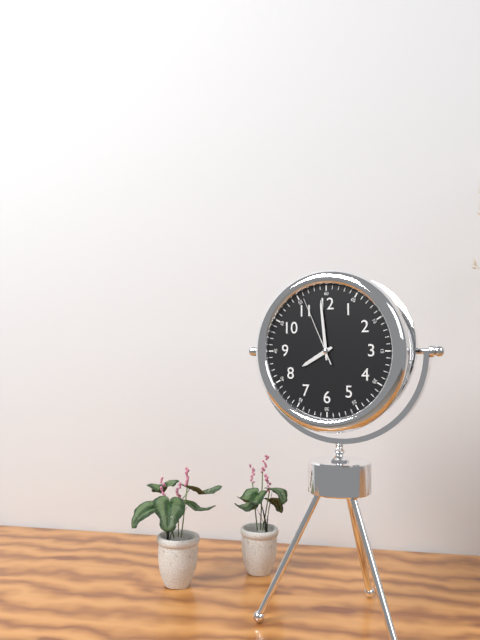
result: 7.59.56
